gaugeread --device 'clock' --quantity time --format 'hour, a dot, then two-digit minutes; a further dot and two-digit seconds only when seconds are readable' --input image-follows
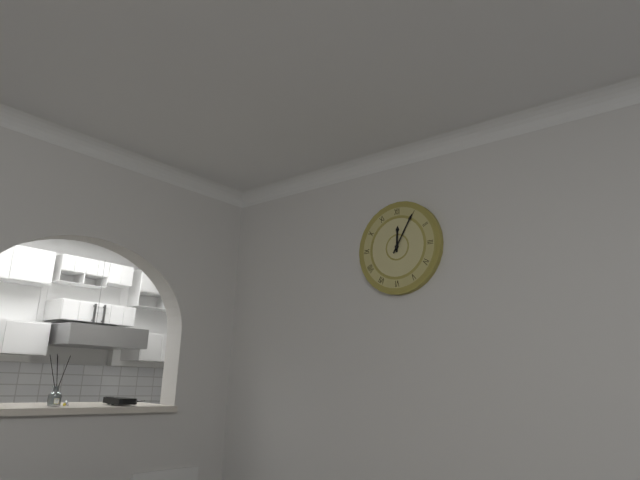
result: 12.05
